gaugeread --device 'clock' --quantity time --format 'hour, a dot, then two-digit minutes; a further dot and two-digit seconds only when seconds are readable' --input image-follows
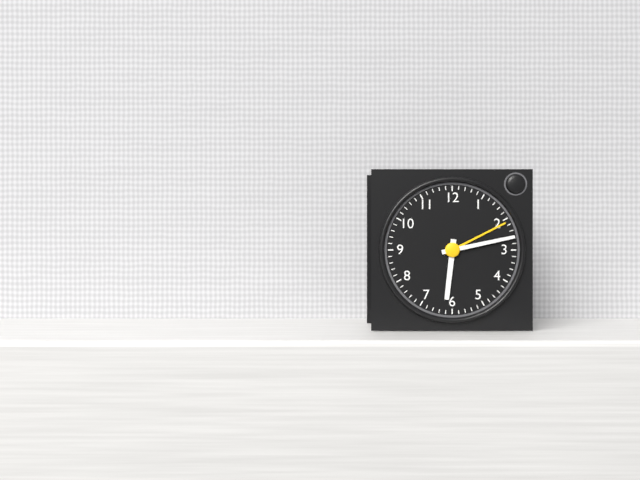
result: 6.13
